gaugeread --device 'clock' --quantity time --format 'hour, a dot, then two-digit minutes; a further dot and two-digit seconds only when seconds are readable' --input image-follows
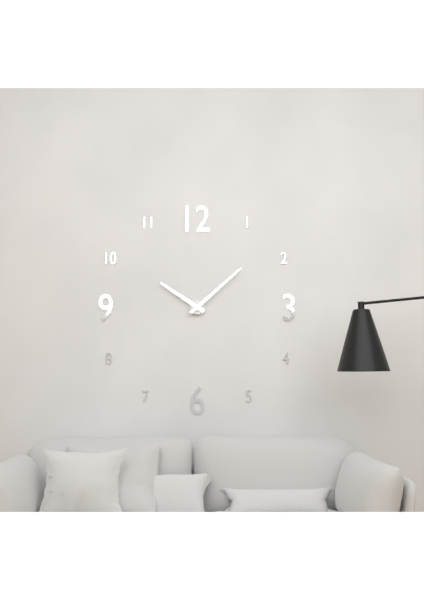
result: 10.08
